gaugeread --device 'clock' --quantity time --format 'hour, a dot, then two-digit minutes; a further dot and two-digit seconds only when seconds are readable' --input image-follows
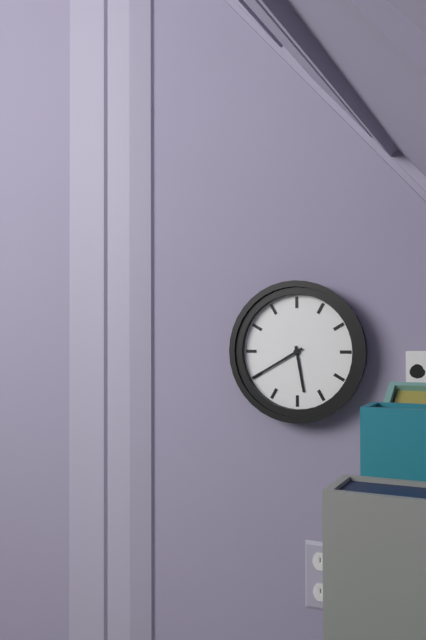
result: 5.40
